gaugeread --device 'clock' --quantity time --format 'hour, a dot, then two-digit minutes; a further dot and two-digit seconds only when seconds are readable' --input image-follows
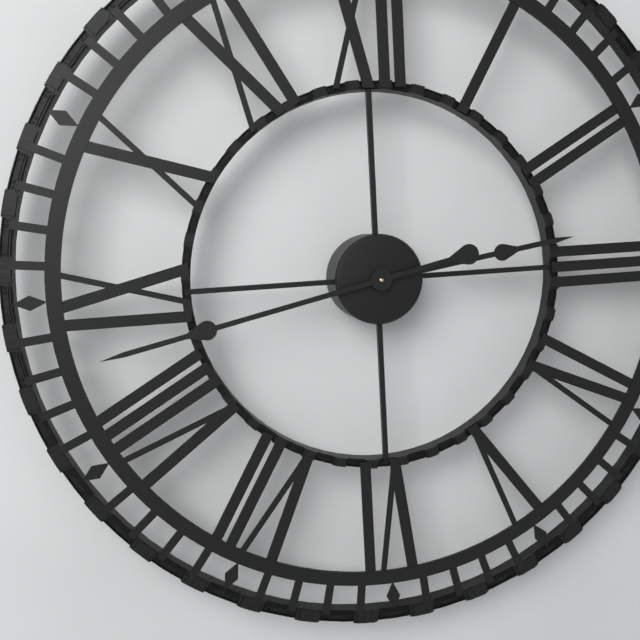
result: 2.43
